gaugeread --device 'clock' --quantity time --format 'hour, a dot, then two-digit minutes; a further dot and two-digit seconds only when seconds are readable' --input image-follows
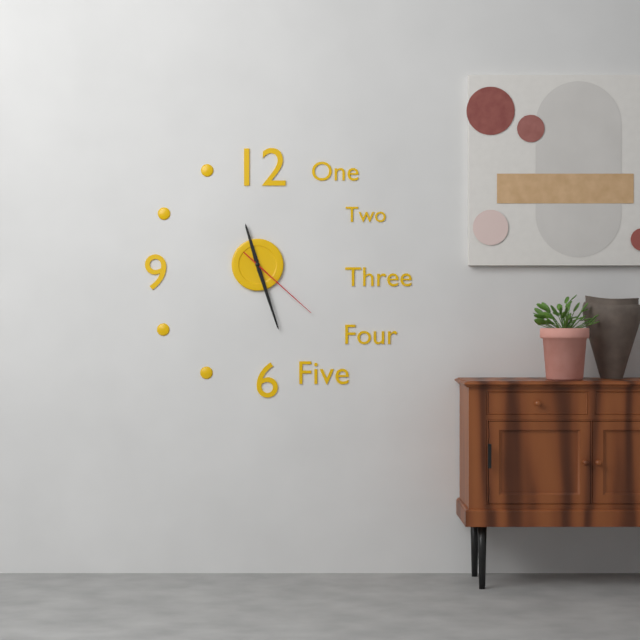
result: 11.27.22
